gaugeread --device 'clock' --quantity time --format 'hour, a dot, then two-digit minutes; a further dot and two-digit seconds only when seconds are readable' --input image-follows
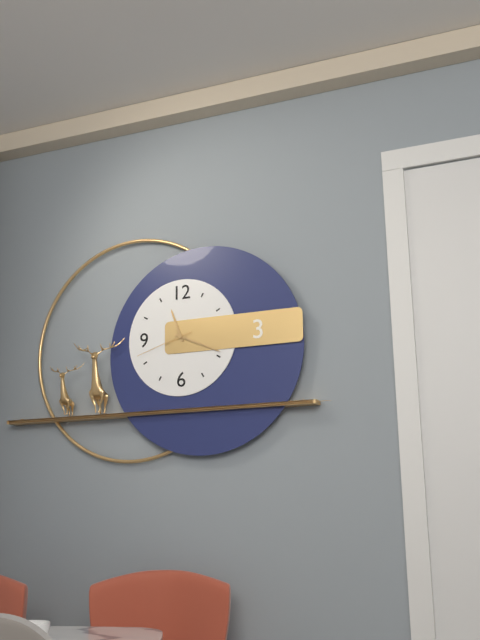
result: 11.19.42
